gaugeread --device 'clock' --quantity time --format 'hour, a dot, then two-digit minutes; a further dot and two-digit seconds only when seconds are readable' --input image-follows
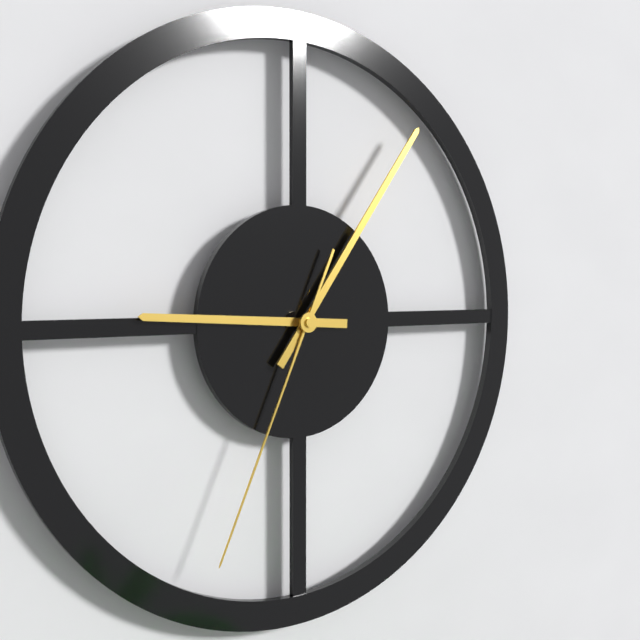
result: 9.06.34
